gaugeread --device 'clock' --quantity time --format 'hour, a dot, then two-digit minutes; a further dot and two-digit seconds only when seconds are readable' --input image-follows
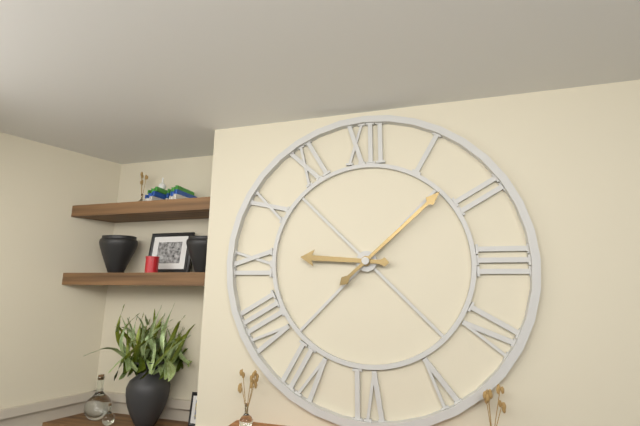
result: 9.08
